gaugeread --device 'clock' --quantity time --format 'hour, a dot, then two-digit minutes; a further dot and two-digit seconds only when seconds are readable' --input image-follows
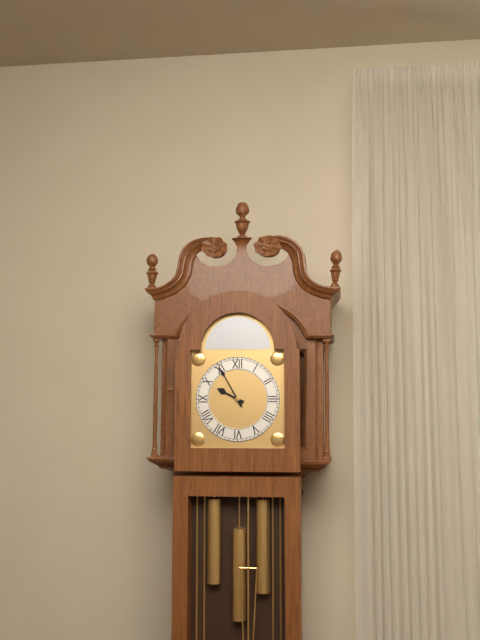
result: 9.55
